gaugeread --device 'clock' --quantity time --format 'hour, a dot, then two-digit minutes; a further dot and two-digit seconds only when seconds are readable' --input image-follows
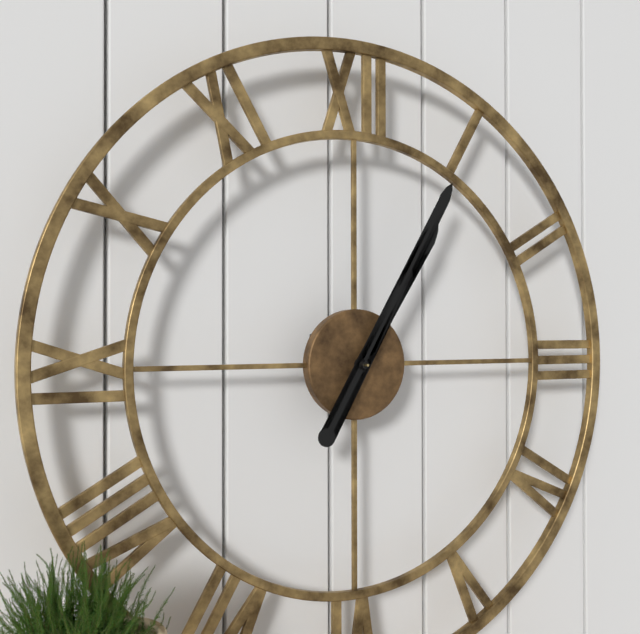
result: 1.05
